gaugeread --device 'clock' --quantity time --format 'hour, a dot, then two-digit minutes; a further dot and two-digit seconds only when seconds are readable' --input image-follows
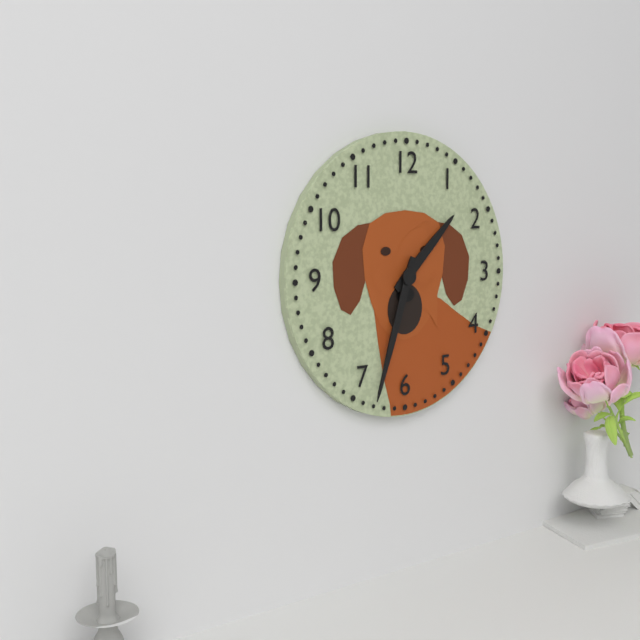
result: 1.33
